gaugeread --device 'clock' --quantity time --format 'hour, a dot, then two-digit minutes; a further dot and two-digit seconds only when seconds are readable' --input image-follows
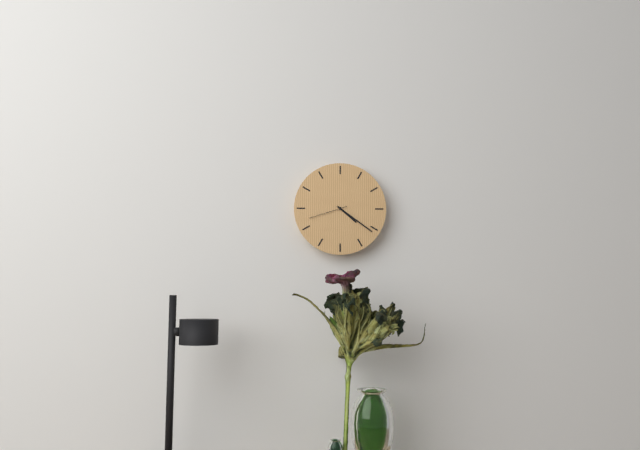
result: 4.21
